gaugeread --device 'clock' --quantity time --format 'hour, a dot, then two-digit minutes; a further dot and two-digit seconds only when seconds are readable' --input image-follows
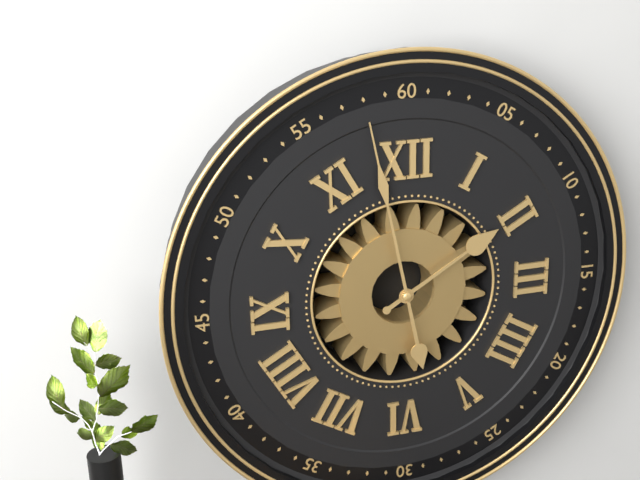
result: 1.58
